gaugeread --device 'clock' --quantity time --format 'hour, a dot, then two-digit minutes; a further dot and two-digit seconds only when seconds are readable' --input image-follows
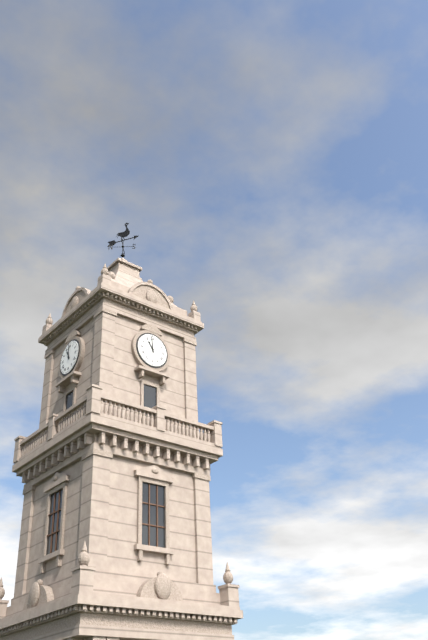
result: 10.59
